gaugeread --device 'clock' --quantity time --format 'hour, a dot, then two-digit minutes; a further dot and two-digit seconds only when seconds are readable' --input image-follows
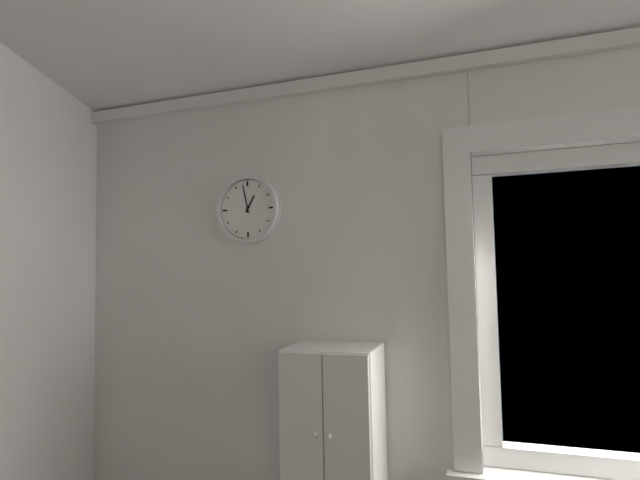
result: 12.58
